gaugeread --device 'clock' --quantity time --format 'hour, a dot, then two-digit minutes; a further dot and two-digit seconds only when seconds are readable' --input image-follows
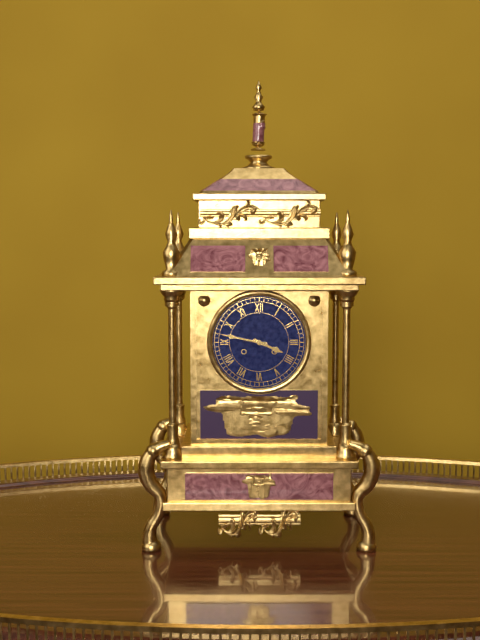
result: 3.47
